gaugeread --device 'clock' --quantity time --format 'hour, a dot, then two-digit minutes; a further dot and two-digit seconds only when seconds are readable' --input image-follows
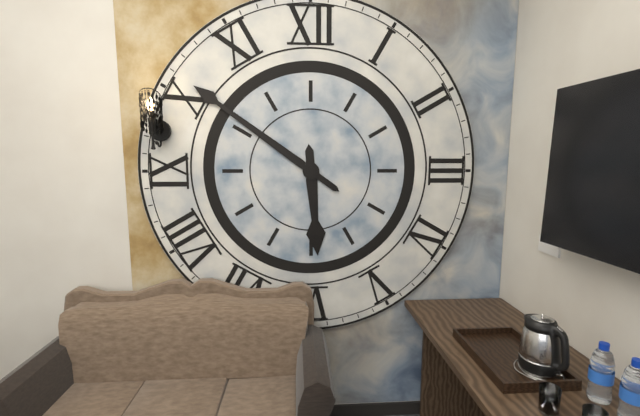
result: 5.51
